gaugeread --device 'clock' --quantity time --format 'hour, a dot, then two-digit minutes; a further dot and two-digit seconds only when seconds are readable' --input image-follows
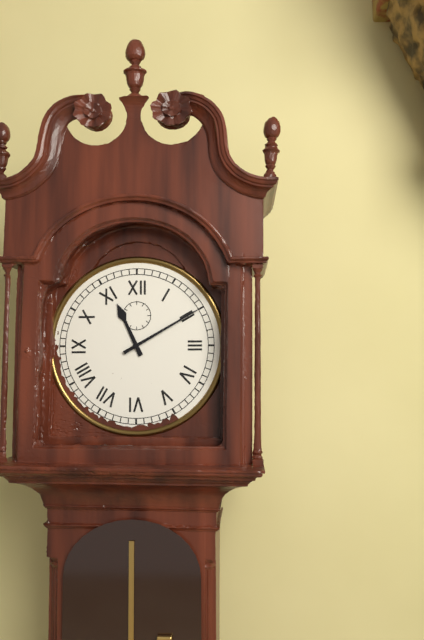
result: 11.10
